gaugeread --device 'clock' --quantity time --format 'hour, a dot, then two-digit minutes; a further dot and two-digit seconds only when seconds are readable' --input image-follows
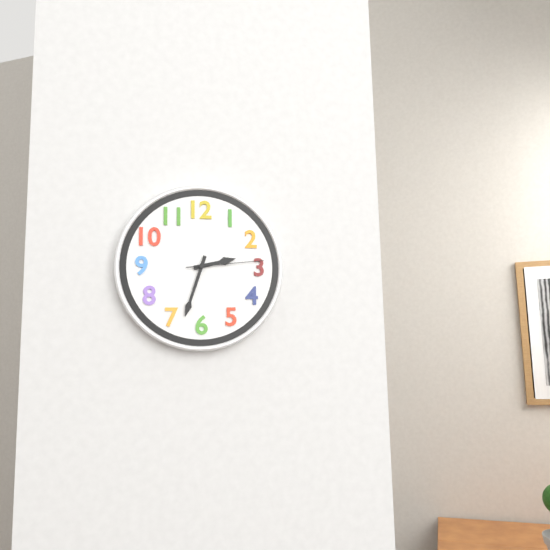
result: 2.33.14
